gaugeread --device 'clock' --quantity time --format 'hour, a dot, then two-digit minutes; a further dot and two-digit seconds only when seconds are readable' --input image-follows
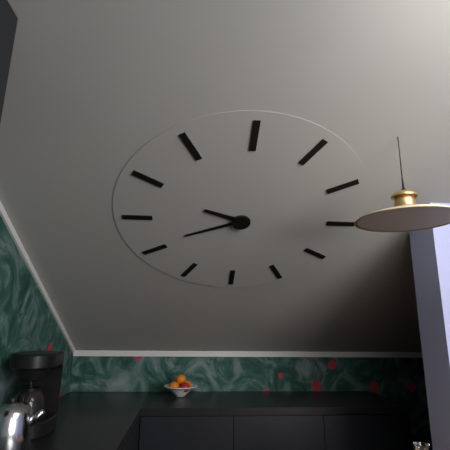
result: 9.41
